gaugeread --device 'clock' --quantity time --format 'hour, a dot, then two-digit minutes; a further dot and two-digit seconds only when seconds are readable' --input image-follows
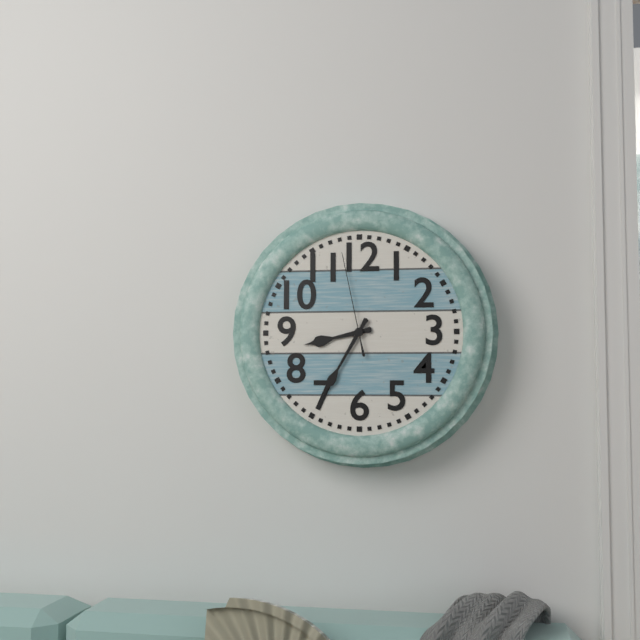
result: 8.35.58
